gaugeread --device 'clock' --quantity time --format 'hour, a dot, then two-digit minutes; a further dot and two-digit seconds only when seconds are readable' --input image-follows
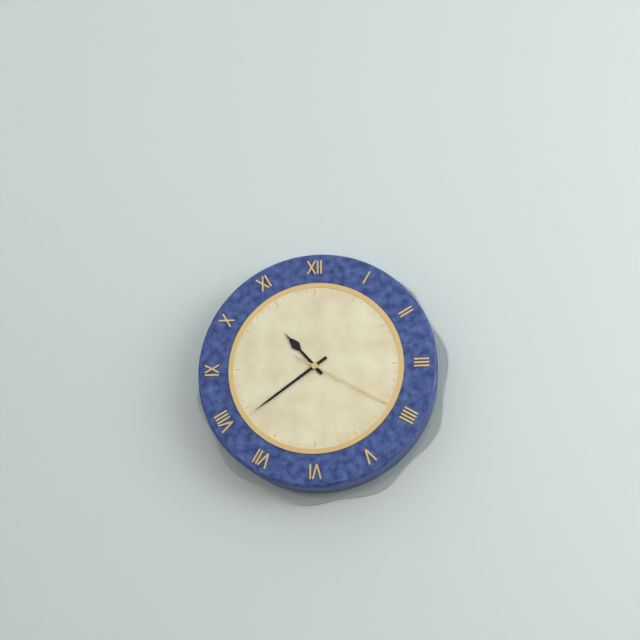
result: 10.39.20
